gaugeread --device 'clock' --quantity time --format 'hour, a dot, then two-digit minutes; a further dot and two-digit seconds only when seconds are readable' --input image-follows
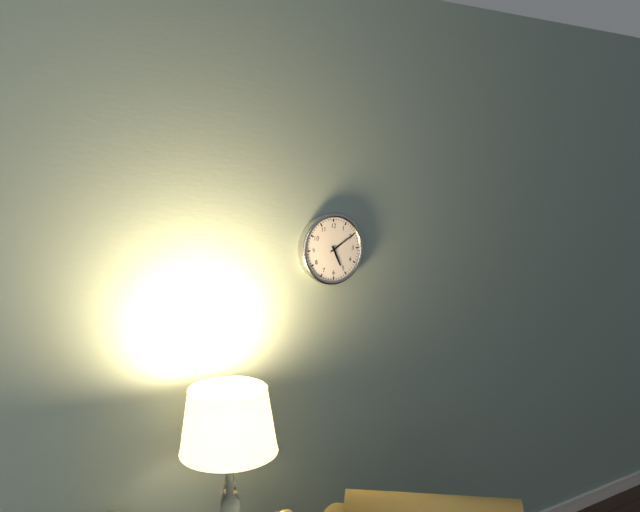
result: 5.10
